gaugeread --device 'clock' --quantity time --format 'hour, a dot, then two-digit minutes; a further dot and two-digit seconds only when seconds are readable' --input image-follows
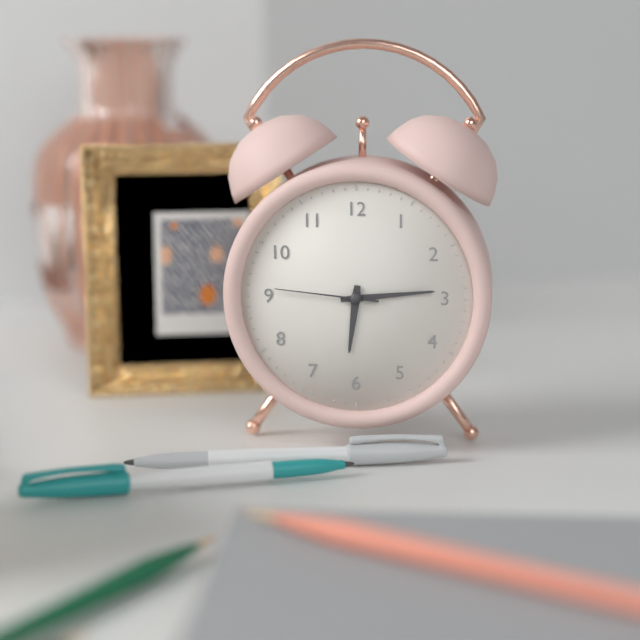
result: 6.14.46
